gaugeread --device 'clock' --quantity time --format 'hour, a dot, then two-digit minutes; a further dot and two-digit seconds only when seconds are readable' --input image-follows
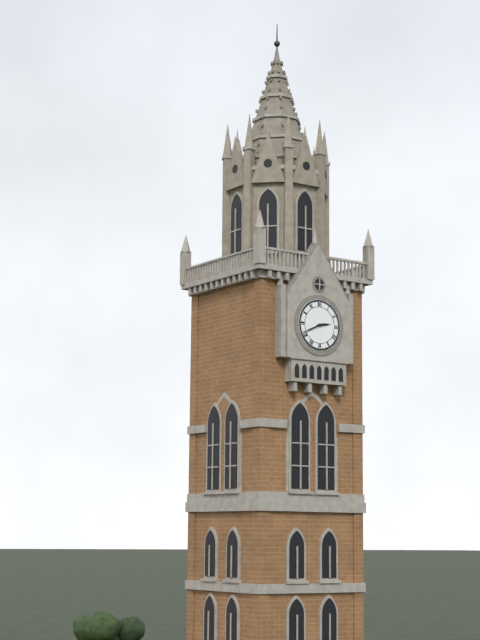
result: 2.41
